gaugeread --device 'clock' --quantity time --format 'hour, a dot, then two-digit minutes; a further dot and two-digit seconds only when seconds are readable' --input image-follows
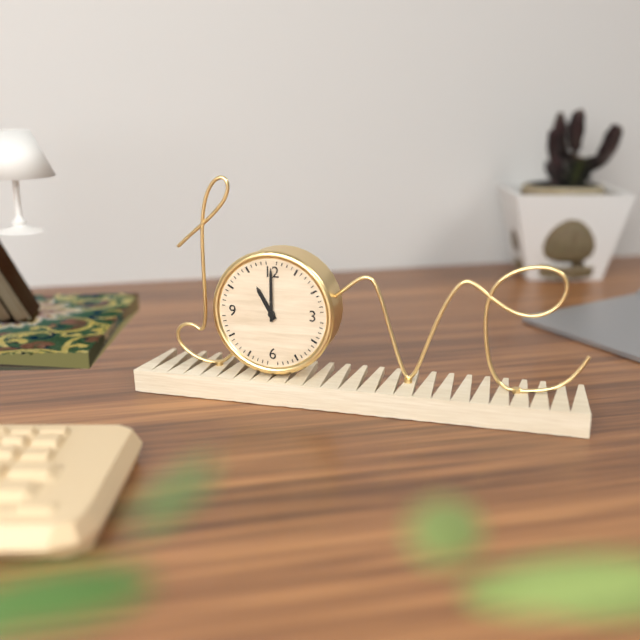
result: 11.00
